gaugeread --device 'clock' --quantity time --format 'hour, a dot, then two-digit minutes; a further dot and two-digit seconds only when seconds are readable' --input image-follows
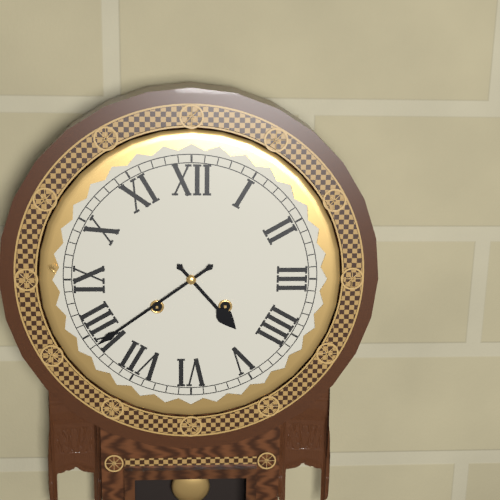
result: 4.39
